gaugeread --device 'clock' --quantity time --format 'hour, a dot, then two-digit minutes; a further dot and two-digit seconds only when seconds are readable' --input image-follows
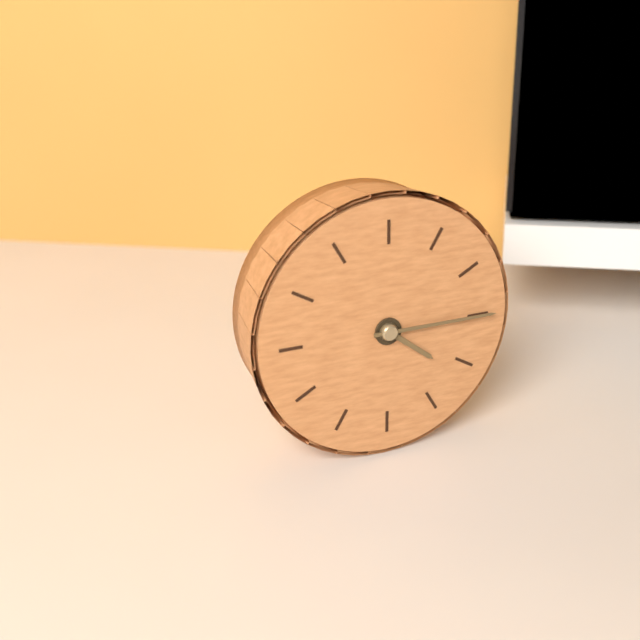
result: 4.15
